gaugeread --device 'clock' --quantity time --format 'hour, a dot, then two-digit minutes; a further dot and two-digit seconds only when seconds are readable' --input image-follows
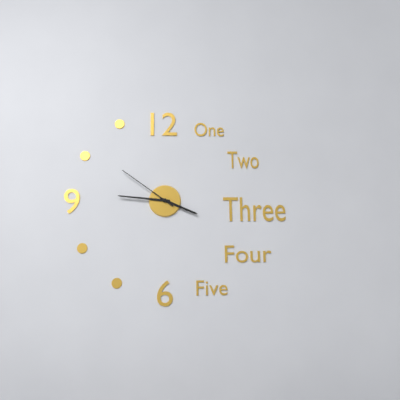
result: 3.46.51
